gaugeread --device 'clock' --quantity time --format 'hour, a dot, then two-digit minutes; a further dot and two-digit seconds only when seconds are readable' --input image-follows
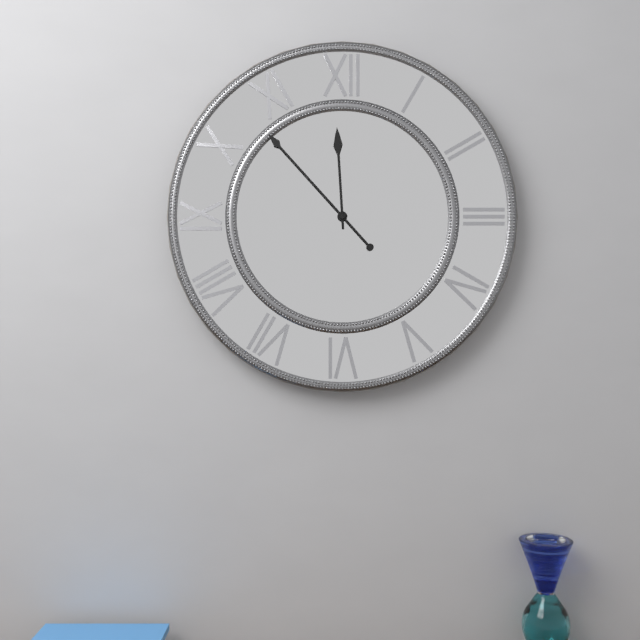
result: 11.53
